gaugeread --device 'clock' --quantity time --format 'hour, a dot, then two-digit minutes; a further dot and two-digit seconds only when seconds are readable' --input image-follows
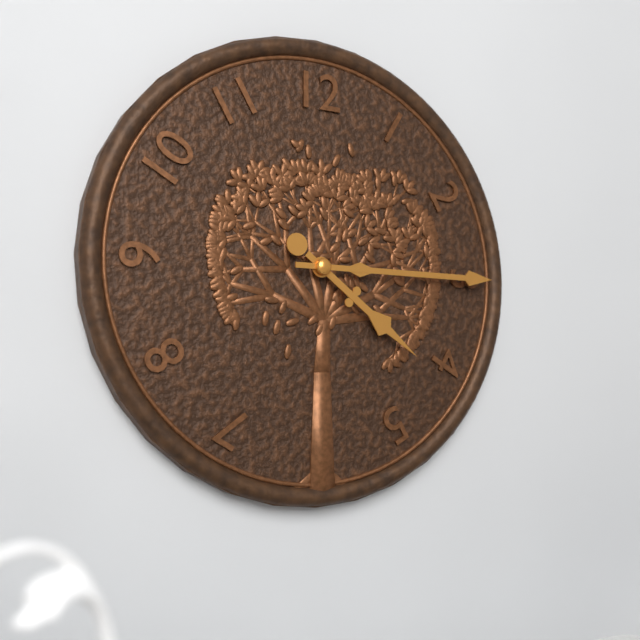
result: 4.15
